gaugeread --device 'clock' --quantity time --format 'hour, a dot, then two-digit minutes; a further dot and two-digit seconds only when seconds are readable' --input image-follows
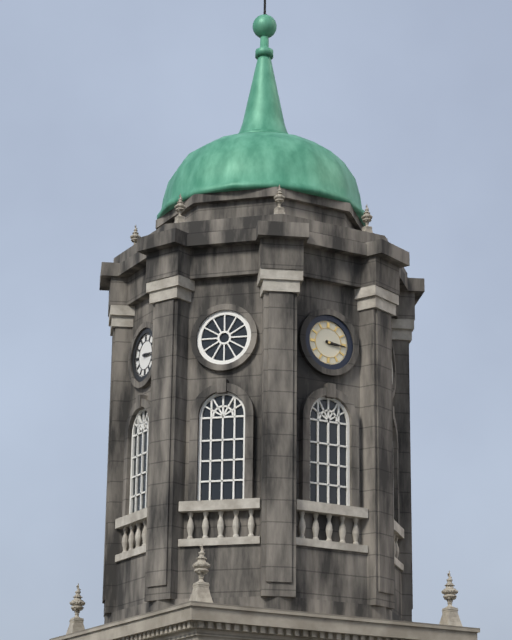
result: 3.16
